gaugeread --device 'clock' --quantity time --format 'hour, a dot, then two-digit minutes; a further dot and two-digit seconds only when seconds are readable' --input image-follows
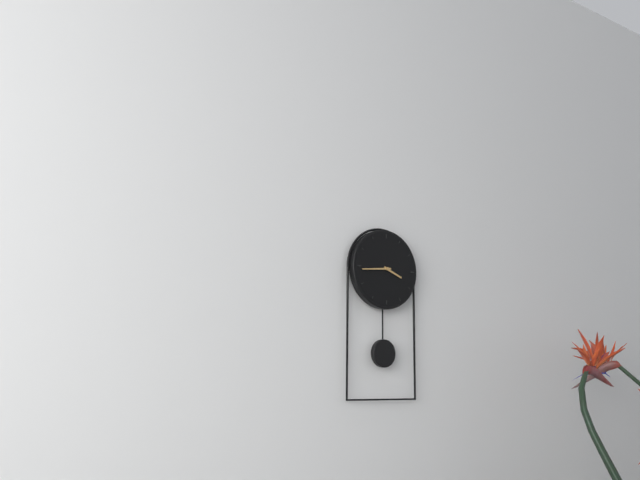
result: 3.44
